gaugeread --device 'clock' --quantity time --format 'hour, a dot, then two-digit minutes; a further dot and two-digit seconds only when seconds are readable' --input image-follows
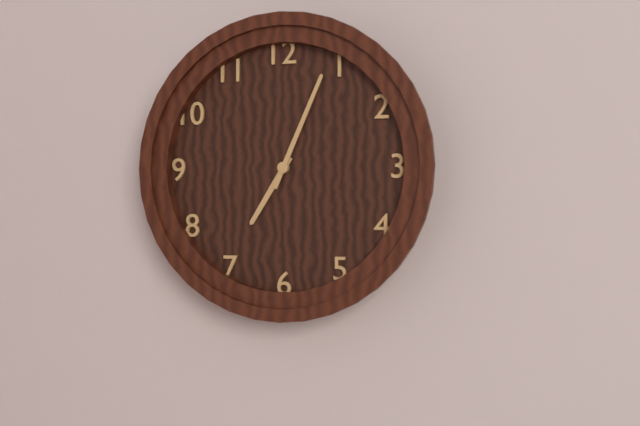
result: 7.04
